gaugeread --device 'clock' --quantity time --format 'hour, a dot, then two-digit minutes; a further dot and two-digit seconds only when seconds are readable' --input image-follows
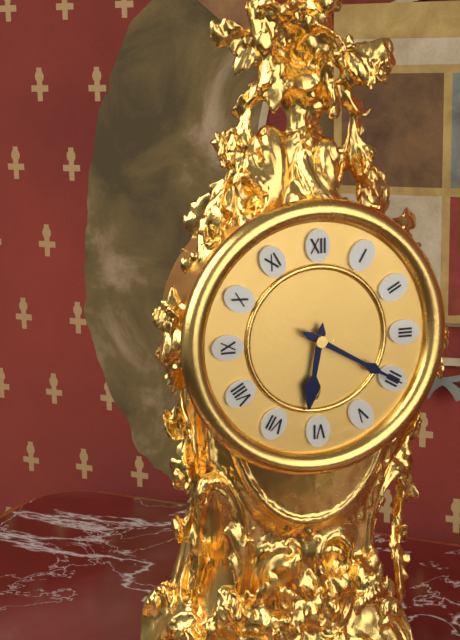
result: 6.20
